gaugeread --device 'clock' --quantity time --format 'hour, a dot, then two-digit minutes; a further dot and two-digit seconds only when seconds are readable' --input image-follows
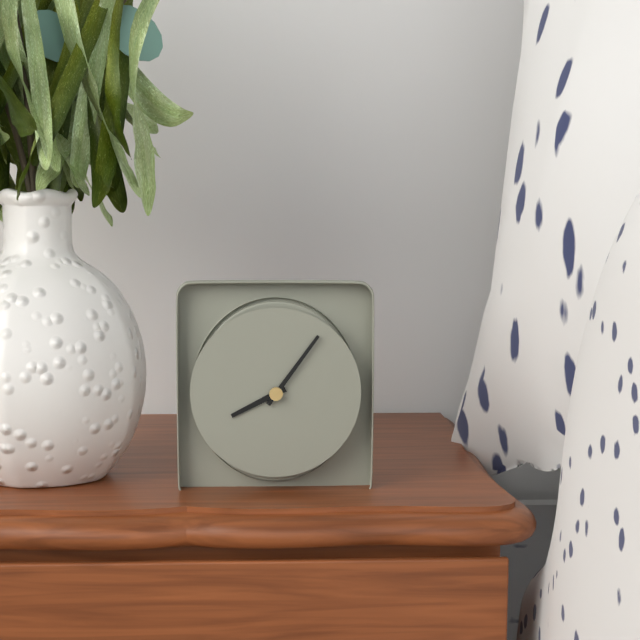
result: 8.06
